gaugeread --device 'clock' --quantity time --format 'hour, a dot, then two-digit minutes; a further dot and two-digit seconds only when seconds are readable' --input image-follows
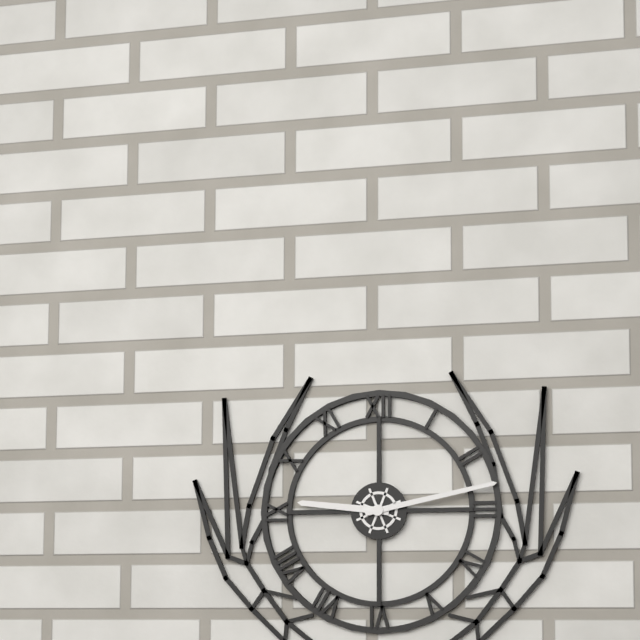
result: 9.13
